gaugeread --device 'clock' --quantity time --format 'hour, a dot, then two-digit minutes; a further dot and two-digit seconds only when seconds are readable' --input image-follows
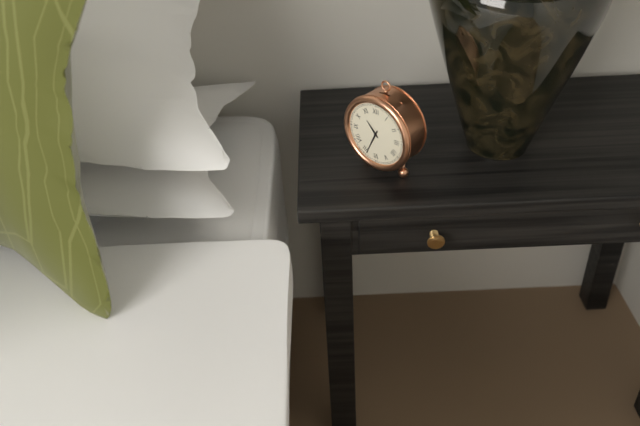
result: 10.34
